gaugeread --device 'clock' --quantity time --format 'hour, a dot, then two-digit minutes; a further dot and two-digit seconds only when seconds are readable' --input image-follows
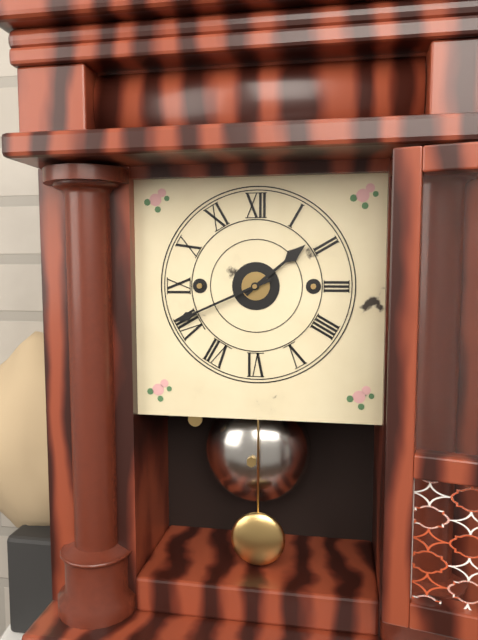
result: 1.41
